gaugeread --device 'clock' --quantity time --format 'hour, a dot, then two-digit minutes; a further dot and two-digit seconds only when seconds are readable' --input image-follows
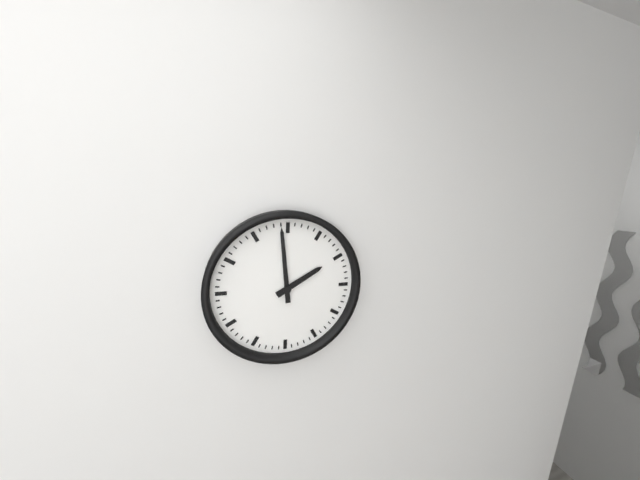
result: 1.59
